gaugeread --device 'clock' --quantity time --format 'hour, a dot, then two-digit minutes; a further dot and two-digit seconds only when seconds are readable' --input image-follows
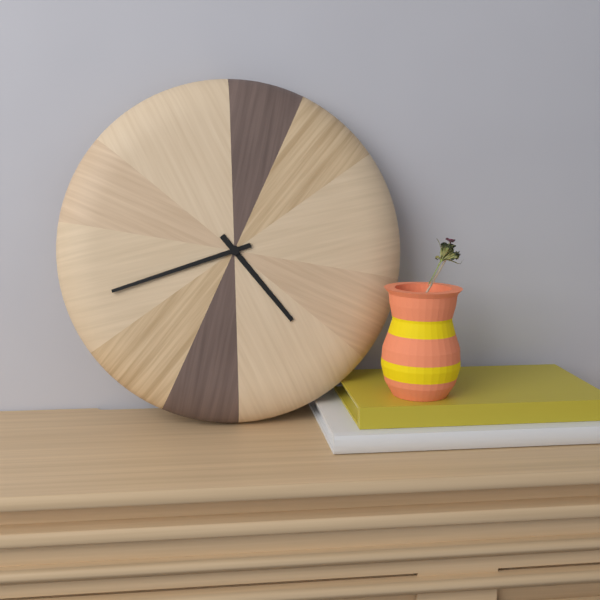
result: 4.42
